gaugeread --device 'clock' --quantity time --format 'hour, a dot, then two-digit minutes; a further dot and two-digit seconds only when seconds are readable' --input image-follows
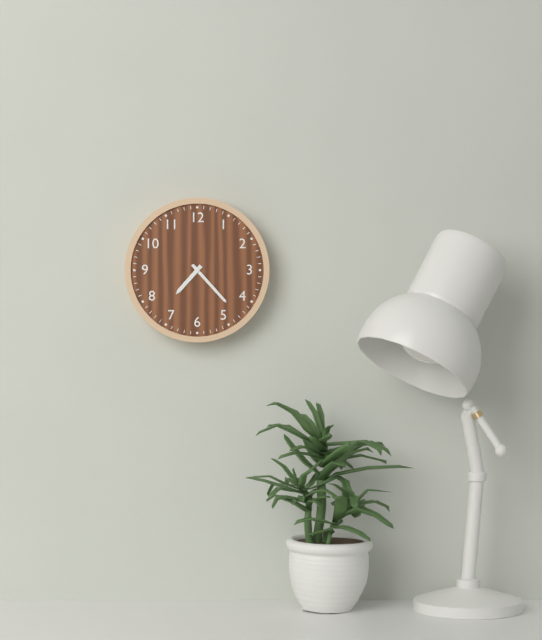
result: 7.23
